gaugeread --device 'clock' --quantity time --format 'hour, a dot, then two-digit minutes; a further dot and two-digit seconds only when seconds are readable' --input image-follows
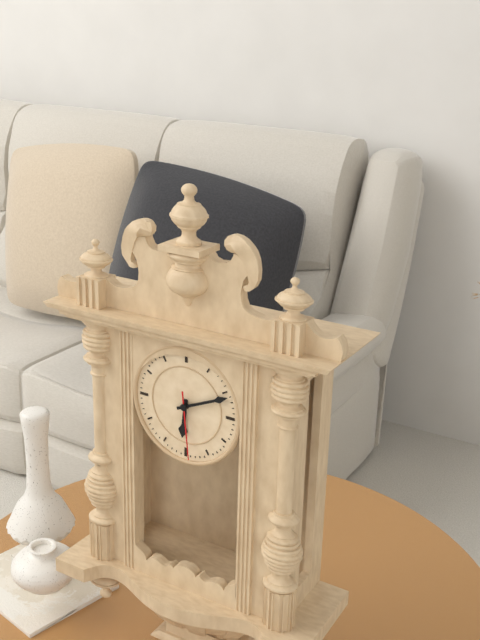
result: 6.11.29
